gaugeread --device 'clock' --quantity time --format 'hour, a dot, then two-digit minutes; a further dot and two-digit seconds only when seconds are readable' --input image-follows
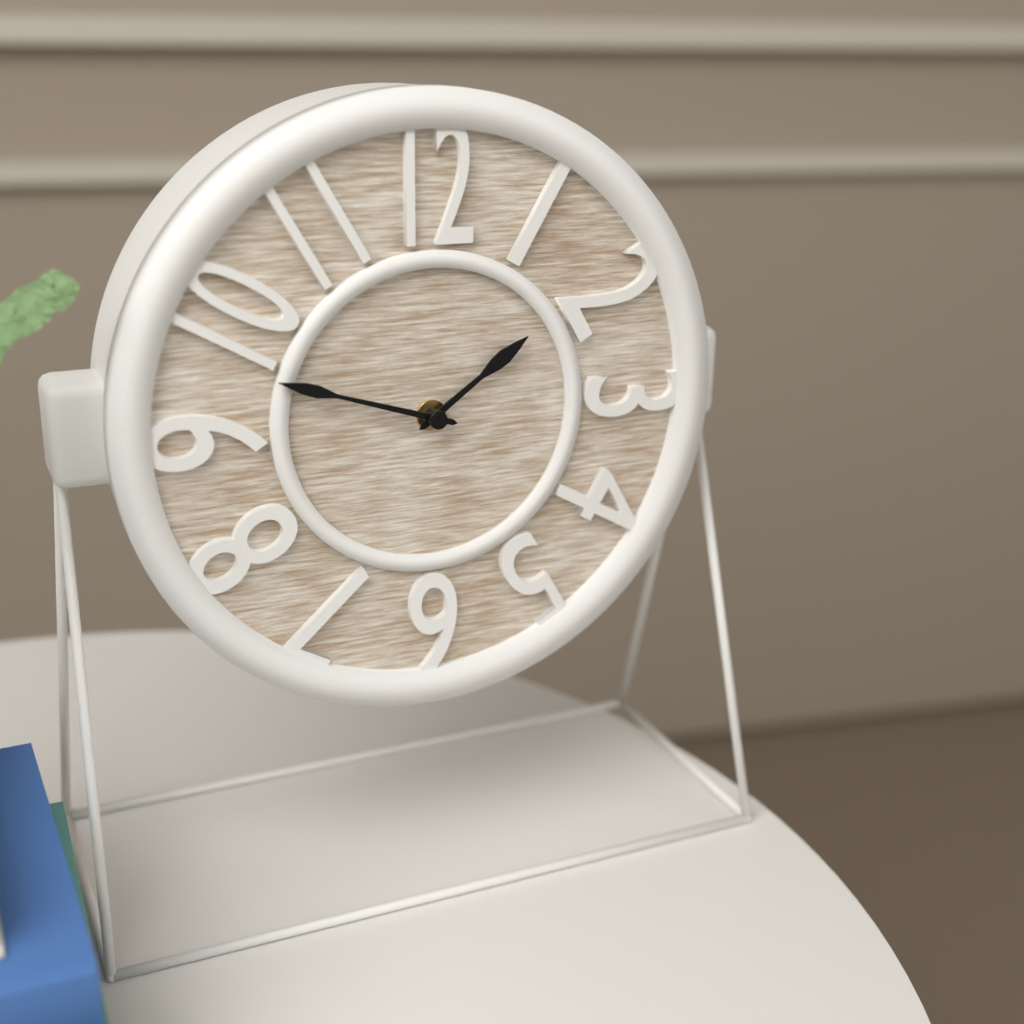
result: 1.48
